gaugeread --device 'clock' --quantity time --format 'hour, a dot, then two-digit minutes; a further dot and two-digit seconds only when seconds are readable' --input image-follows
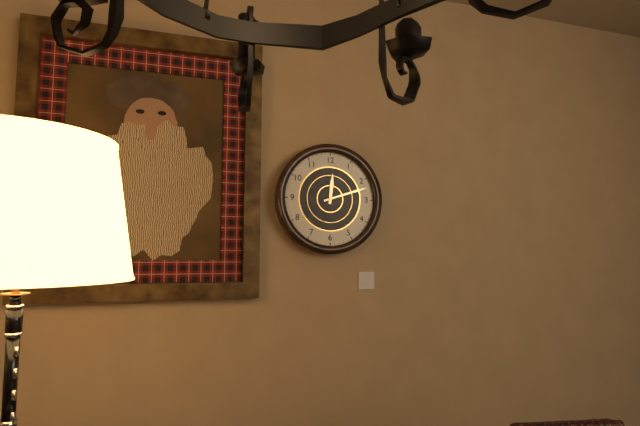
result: 12.12
